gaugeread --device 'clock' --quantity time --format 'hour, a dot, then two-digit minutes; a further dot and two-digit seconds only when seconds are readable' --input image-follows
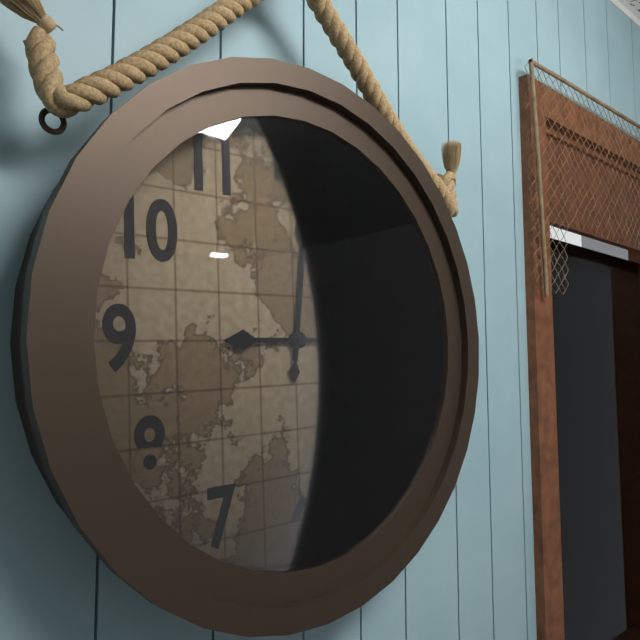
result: 12.15
